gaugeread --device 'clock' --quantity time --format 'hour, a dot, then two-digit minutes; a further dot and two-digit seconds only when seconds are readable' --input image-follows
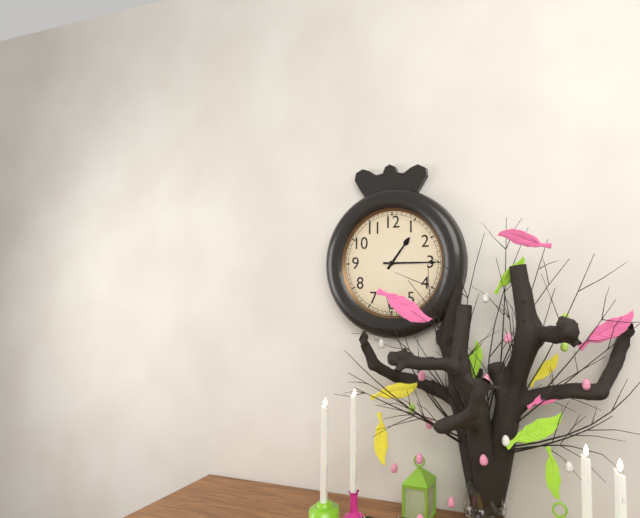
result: 1.15
